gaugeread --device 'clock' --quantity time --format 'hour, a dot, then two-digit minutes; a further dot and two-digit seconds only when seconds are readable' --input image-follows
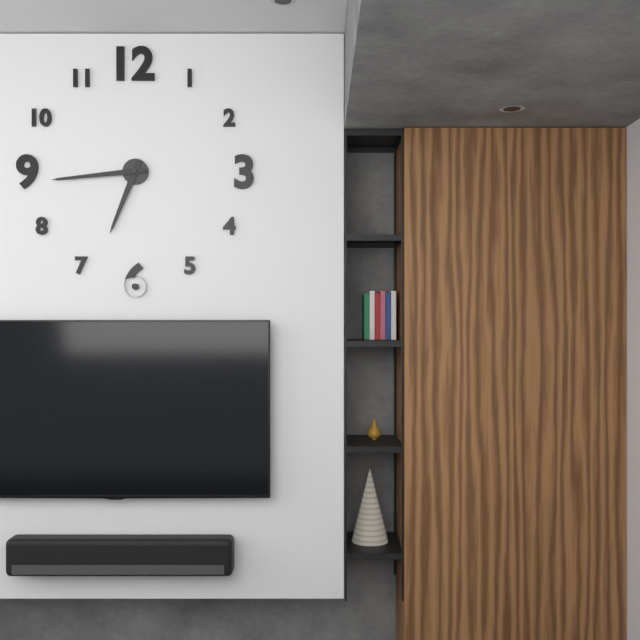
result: 6.44
